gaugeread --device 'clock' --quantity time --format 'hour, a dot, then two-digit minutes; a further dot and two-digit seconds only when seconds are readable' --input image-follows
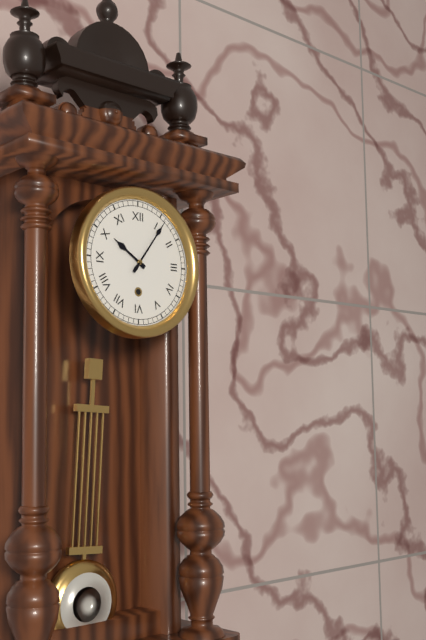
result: 10.06
